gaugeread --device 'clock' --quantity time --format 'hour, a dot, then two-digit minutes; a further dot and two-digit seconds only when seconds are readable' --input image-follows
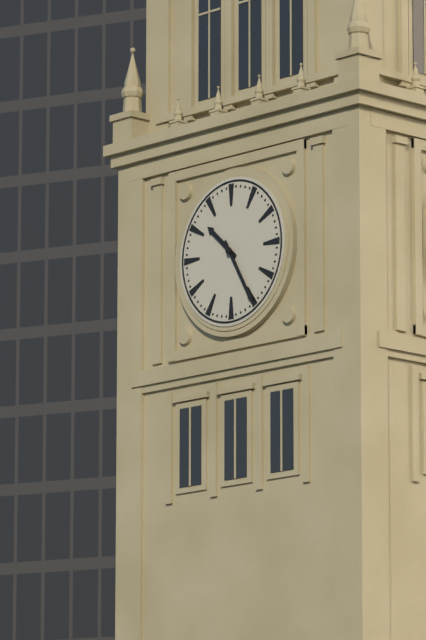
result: 10.25
